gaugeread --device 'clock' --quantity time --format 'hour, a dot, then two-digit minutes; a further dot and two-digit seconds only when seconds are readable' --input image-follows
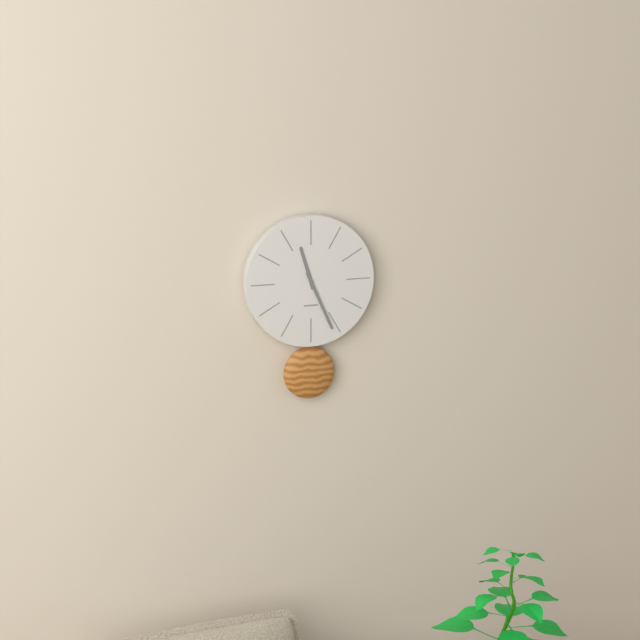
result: 11.26
